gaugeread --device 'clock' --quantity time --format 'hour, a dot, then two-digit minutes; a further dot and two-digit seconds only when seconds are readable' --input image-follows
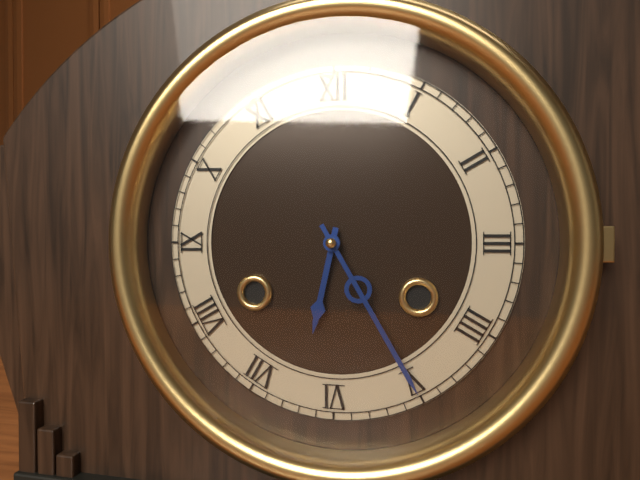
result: 6.25
